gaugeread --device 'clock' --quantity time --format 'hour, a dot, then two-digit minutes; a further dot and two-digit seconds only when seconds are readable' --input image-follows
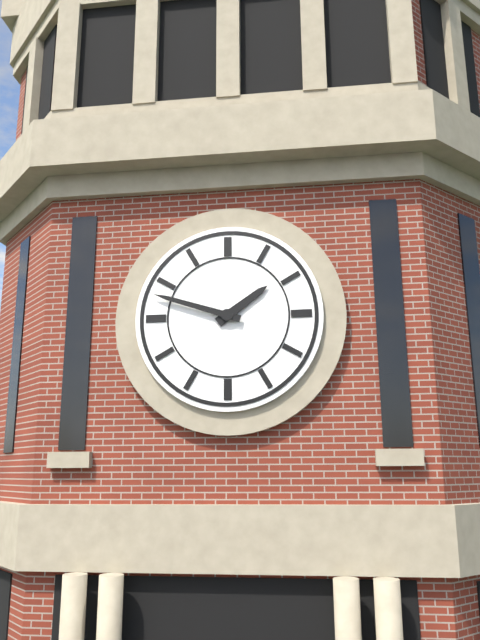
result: 1.48
